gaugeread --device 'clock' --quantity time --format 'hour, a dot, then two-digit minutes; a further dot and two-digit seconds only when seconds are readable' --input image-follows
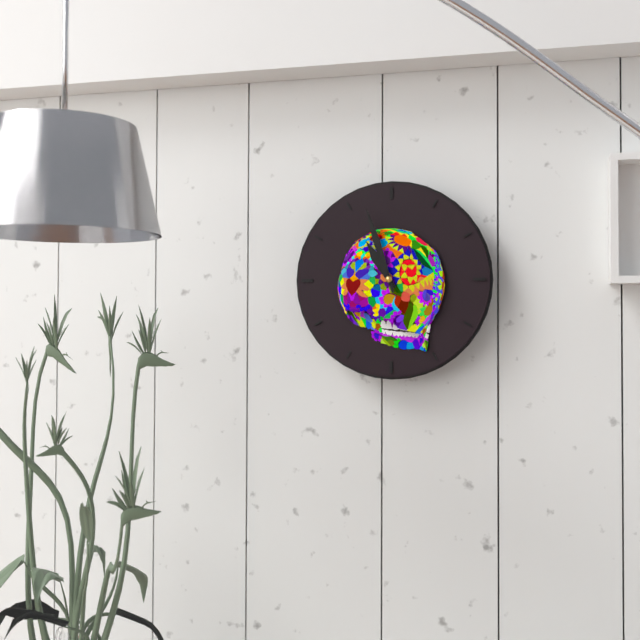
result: 10.57
